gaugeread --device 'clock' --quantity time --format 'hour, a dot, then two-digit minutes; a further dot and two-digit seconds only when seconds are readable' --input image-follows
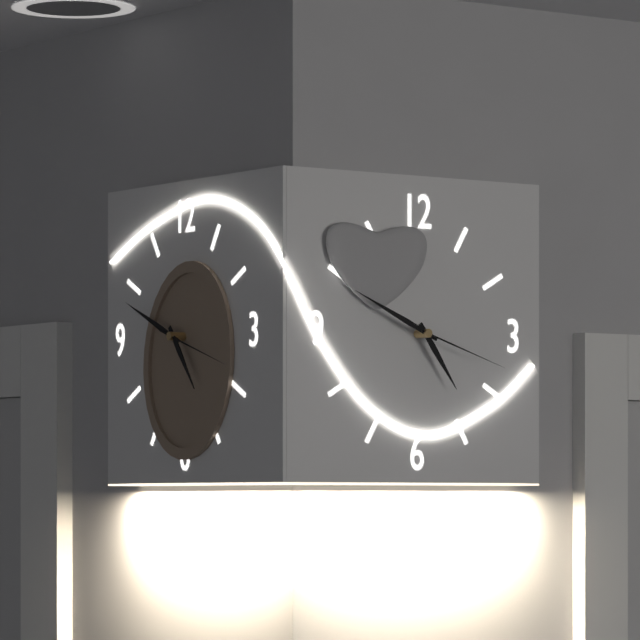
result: 4.49.18
